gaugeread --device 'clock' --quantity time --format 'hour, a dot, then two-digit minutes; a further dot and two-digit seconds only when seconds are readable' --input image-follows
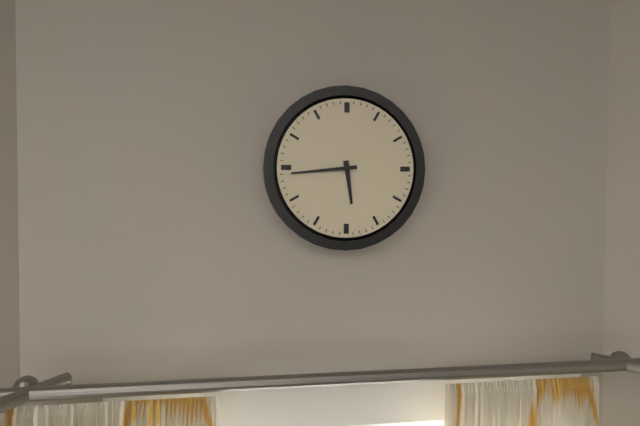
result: 5.44
